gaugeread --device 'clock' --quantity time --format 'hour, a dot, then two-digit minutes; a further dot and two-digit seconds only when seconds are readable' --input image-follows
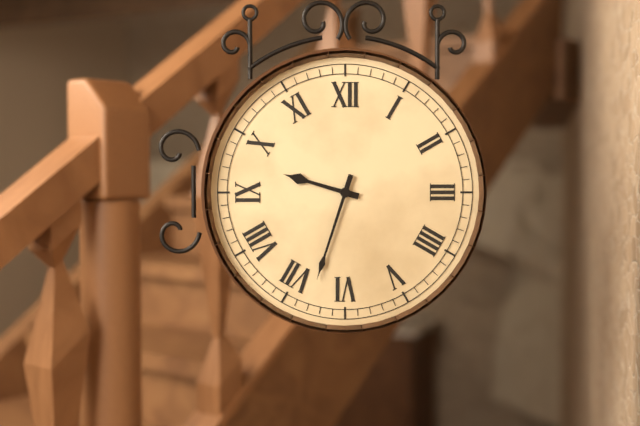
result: 9.33
